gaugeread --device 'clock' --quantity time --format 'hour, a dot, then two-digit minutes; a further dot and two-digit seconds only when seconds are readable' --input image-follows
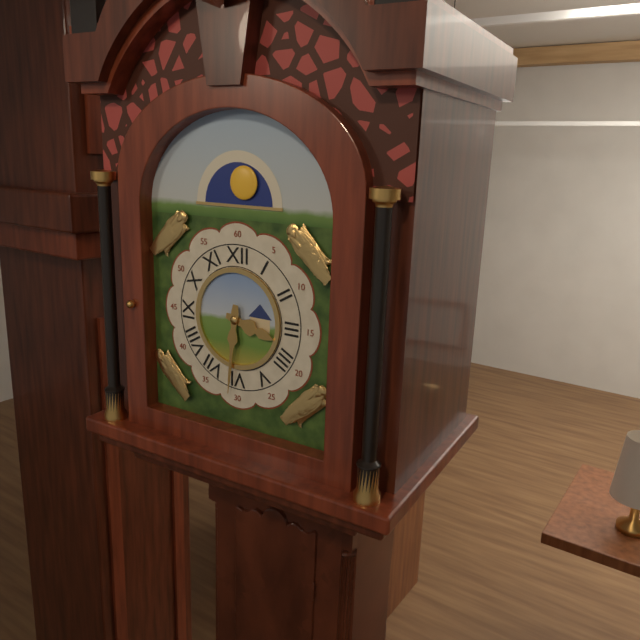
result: 3.31
